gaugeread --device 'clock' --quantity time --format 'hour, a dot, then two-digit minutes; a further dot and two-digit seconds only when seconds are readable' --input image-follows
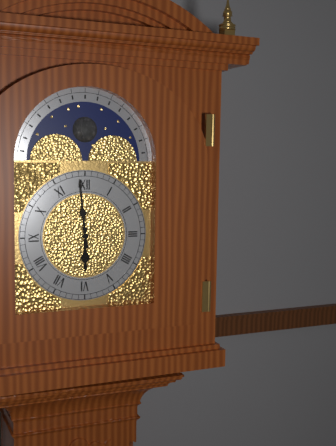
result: 5.59
